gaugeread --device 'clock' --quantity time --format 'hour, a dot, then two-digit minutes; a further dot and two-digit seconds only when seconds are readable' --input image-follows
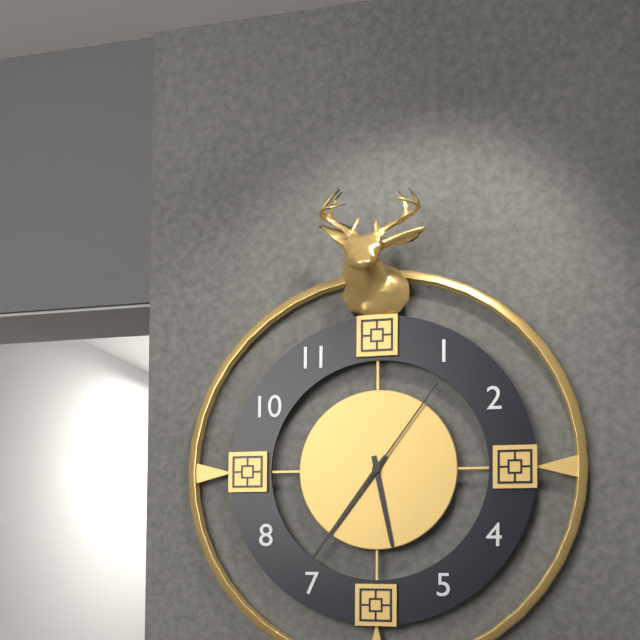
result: 5.36.06
